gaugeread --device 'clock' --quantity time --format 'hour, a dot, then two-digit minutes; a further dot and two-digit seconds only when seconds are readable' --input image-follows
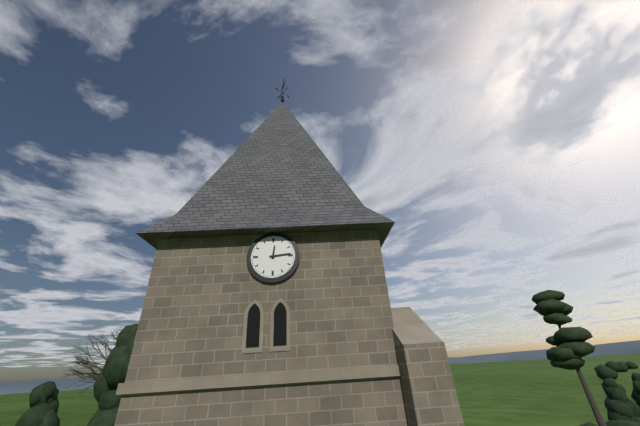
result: 12.14
